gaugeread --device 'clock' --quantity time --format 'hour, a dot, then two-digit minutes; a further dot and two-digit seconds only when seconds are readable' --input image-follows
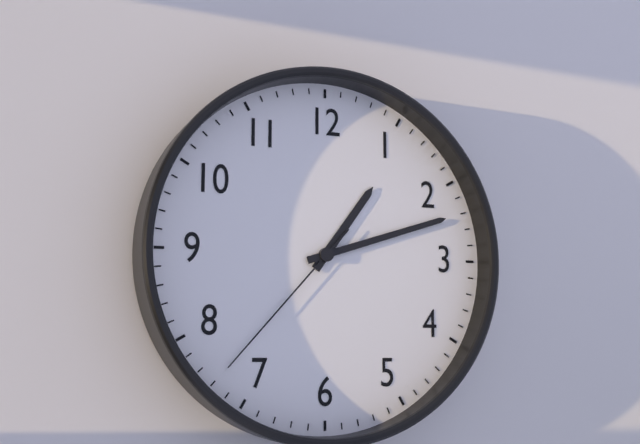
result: 1.12.37
